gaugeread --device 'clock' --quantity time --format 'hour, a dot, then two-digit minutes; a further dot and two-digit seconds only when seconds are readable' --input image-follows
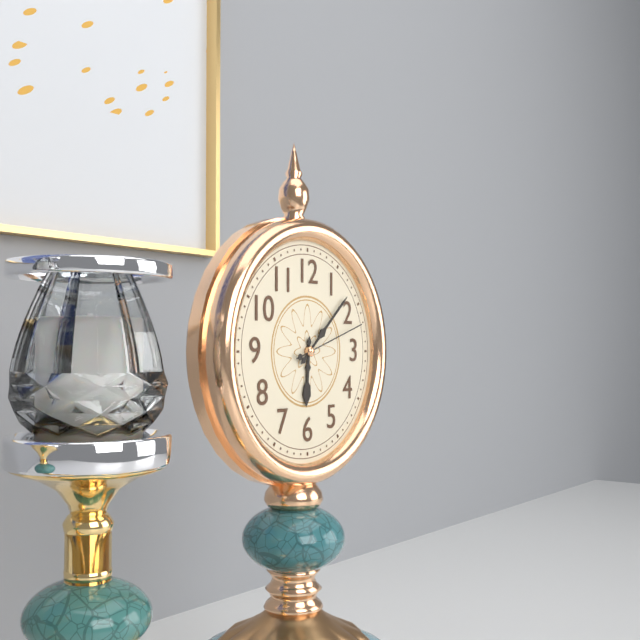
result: 6.08.12
